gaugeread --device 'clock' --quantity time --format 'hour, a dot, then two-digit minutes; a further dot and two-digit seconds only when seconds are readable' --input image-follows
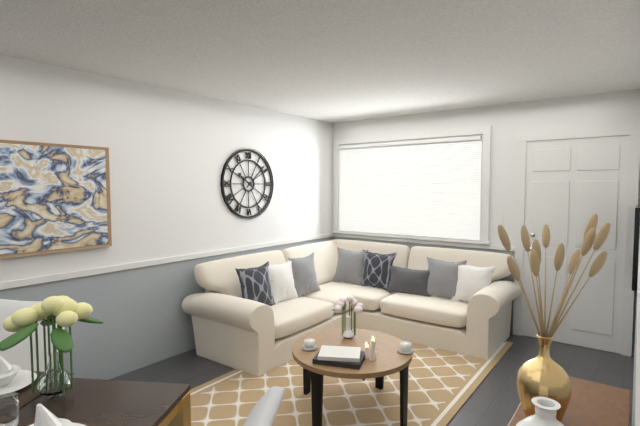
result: 10.08
